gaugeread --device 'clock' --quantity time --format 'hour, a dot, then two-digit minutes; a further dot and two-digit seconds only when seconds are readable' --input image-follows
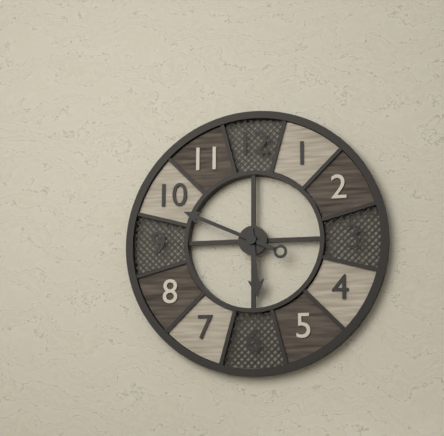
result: 5.49
